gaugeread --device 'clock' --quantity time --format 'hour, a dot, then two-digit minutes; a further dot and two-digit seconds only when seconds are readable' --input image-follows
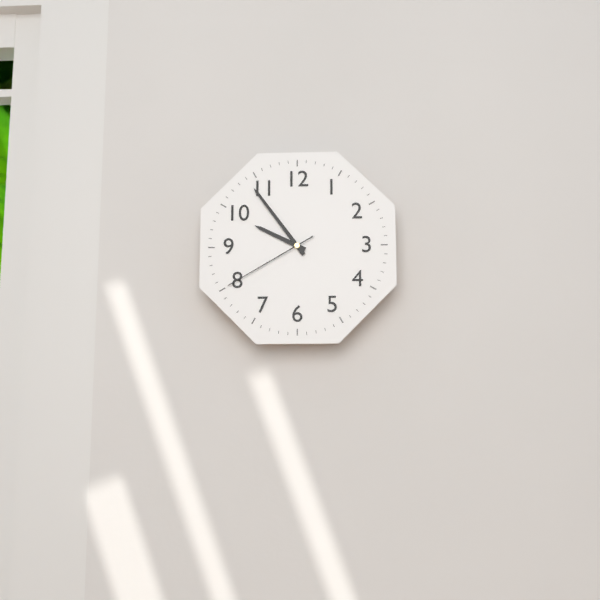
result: 9.54.40
